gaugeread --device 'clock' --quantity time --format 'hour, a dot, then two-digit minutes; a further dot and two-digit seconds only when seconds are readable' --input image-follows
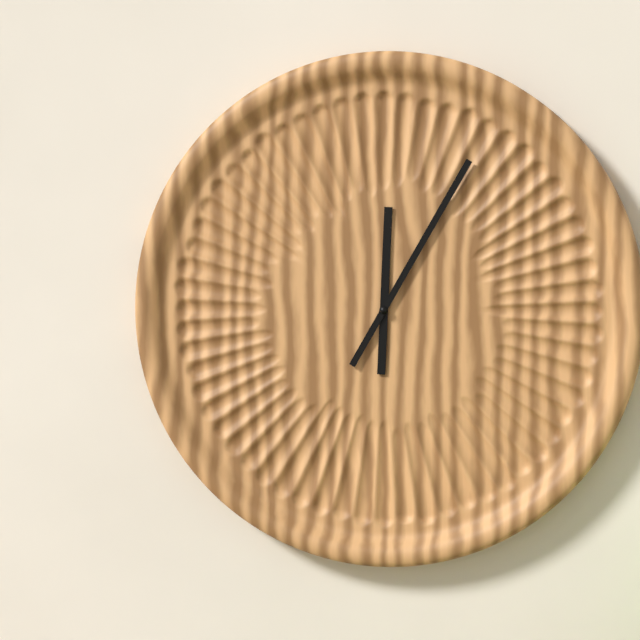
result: 12.05
